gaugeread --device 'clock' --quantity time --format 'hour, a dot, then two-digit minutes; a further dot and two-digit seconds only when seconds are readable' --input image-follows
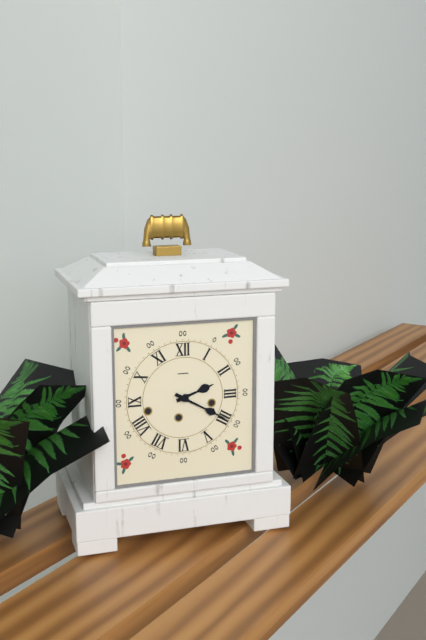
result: 2.20
